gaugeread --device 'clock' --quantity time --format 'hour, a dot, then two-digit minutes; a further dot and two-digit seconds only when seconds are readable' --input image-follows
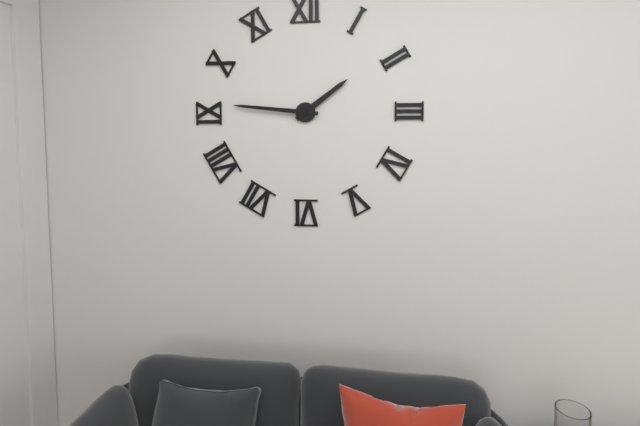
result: 1.46
